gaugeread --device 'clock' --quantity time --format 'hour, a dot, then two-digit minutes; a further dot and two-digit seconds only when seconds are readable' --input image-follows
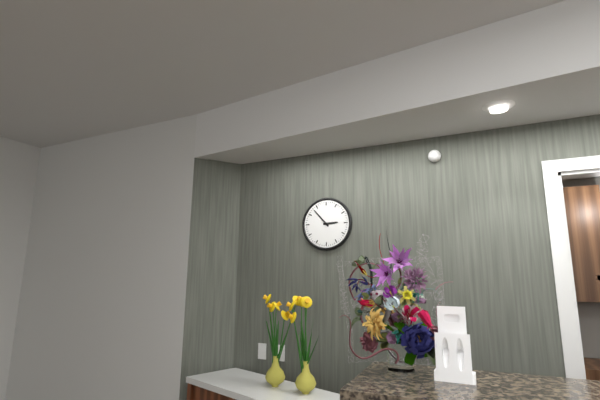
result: 2.53
